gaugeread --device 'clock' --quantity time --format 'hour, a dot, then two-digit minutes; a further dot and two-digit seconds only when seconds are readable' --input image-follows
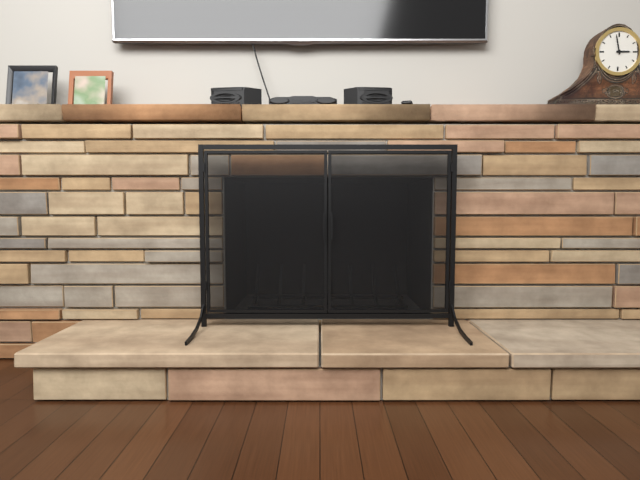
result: 2.58
